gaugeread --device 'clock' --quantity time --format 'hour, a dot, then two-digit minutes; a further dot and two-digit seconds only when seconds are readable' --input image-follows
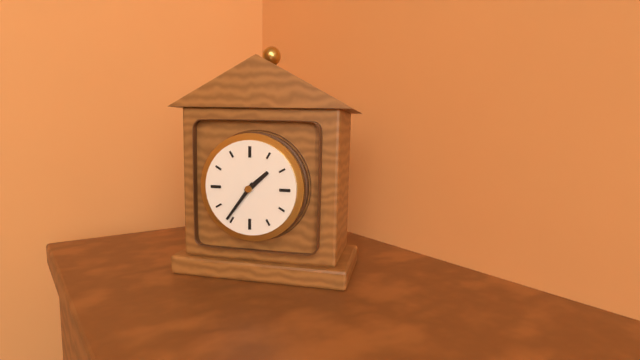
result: 1.36
